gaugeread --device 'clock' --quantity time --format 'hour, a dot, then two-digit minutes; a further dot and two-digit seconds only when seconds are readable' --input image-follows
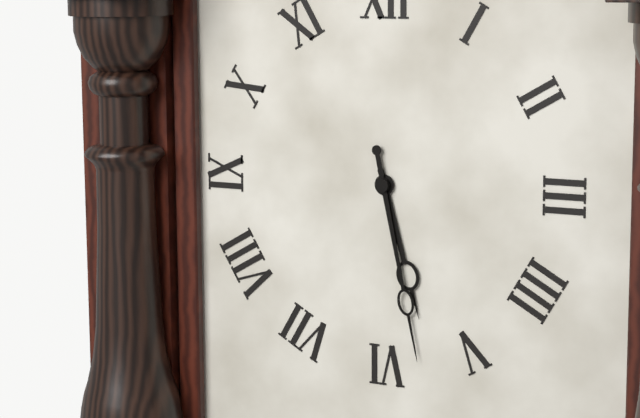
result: 5.28
